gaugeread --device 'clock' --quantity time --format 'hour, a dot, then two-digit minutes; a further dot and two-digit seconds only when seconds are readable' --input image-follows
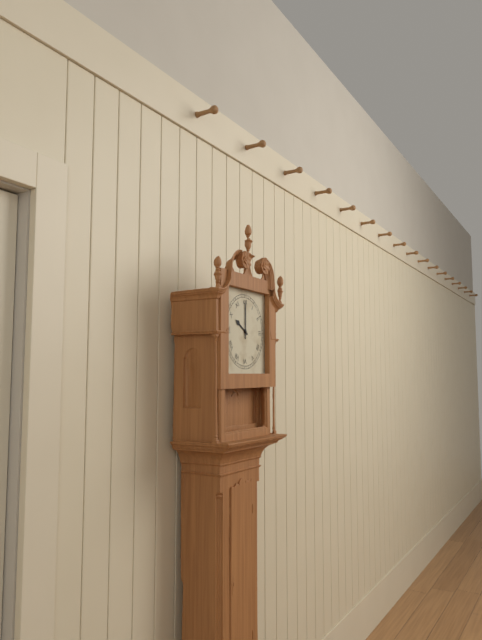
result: 10.00
